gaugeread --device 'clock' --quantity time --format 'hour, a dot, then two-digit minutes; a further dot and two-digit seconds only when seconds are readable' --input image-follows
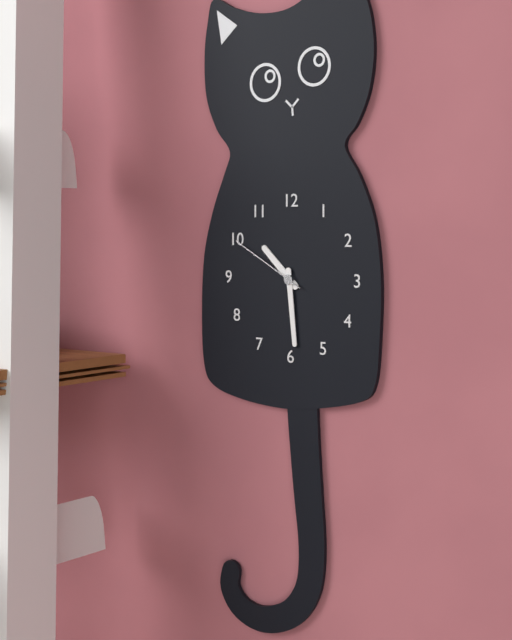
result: 10.29.50
